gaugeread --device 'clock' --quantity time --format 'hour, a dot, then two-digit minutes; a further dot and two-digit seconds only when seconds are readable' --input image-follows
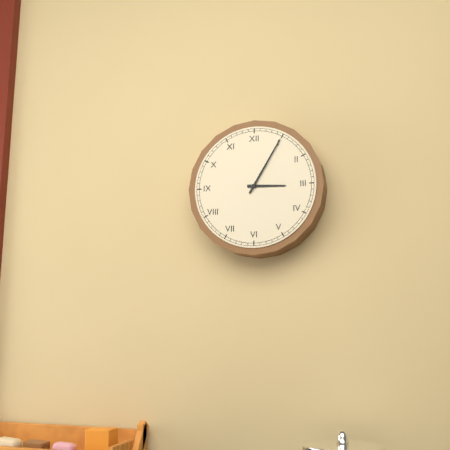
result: 3.05
